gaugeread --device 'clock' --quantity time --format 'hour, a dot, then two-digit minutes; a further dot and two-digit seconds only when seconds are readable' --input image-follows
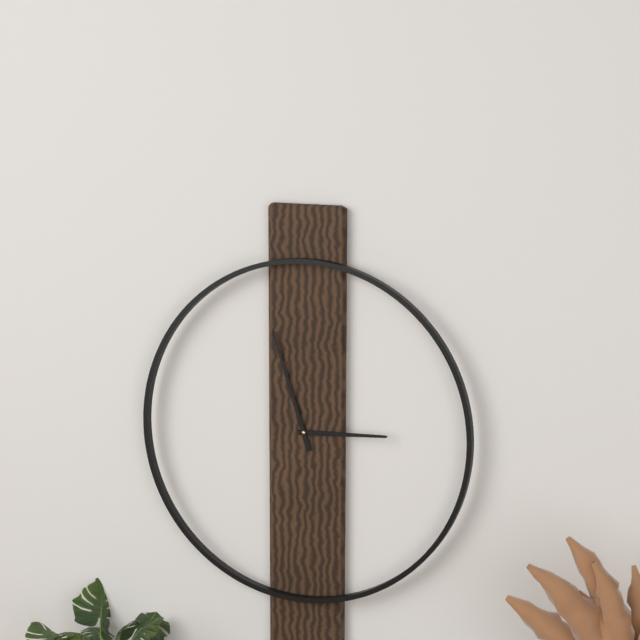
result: 2.57
